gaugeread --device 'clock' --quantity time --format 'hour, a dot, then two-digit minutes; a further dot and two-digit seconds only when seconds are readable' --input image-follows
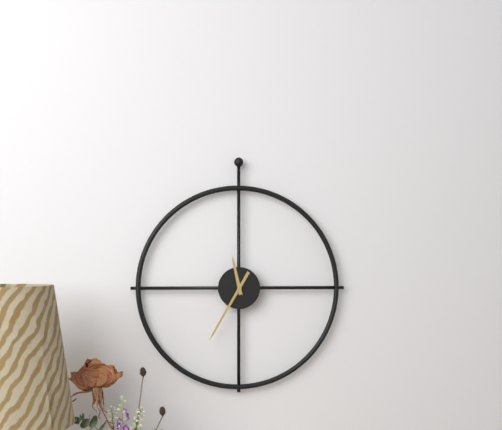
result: 11.35
